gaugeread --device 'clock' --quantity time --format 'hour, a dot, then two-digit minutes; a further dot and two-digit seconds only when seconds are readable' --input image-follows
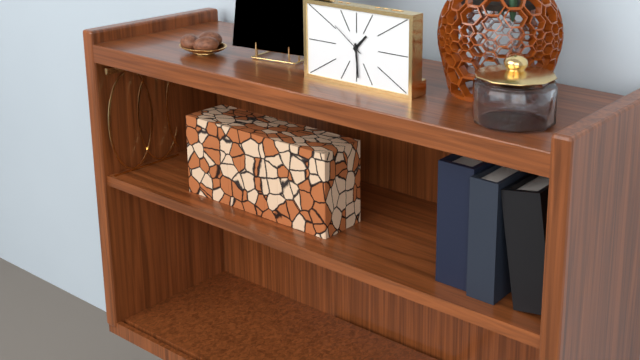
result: 1.29
